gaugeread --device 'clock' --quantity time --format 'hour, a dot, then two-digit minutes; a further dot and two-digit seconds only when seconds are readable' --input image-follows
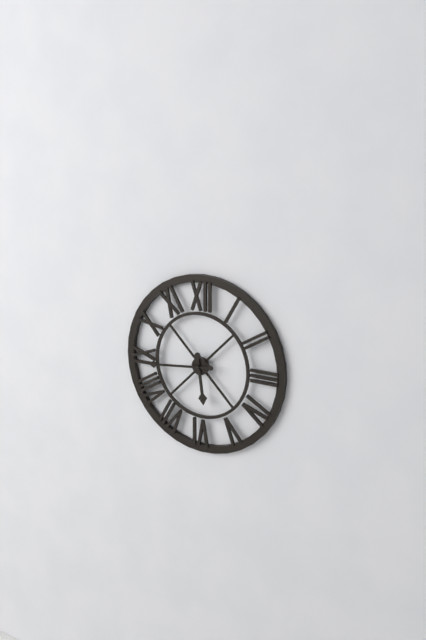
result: 5.44
